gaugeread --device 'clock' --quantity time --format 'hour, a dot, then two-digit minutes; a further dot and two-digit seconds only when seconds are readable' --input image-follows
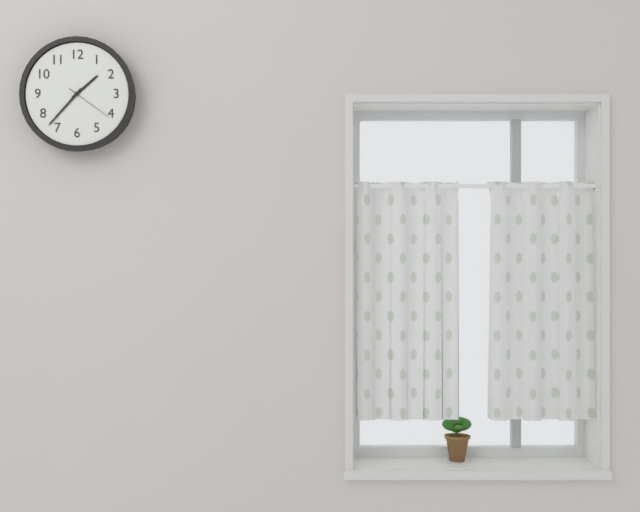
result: 1.37
